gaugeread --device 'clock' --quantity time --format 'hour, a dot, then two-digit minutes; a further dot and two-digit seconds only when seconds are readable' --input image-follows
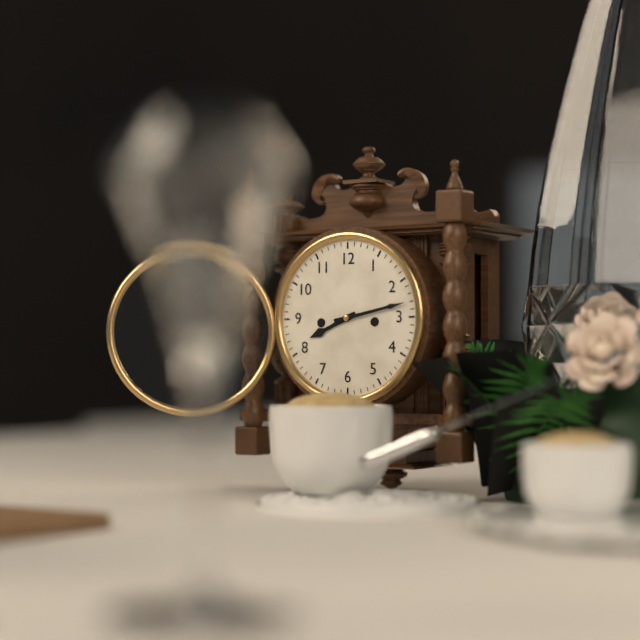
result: 8.13
